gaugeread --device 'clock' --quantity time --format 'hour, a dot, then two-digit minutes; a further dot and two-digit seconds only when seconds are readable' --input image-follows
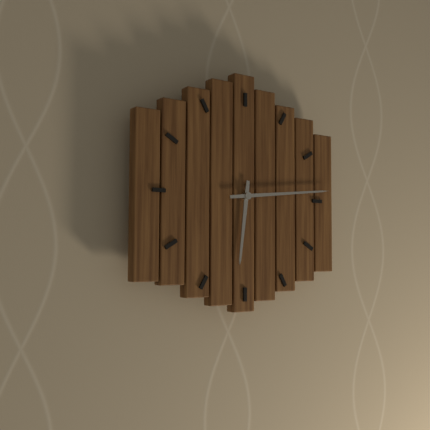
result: 6.14
